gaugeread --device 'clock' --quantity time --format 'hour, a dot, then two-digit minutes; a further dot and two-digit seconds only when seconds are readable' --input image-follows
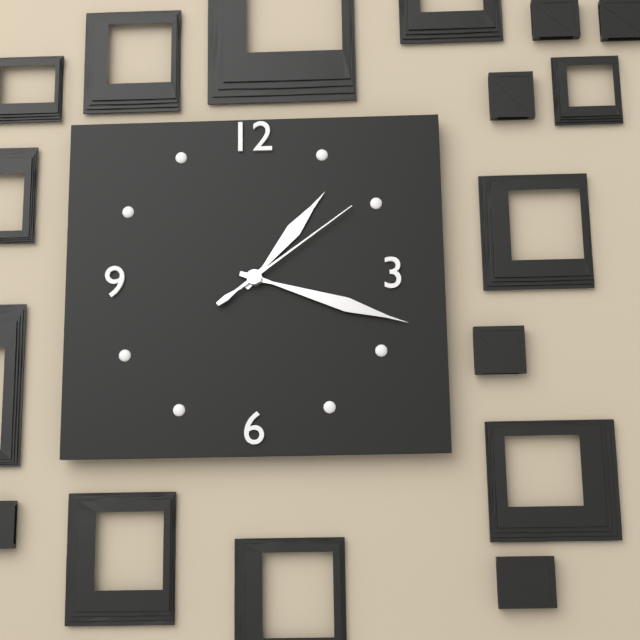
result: 1.18.09
